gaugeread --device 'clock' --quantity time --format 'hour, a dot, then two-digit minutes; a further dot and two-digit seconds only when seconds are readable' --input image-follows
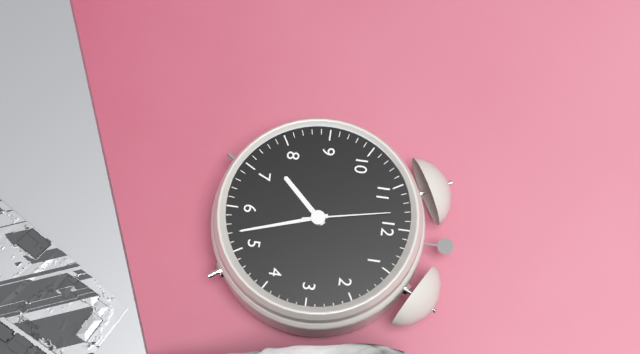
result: 7.27.58
